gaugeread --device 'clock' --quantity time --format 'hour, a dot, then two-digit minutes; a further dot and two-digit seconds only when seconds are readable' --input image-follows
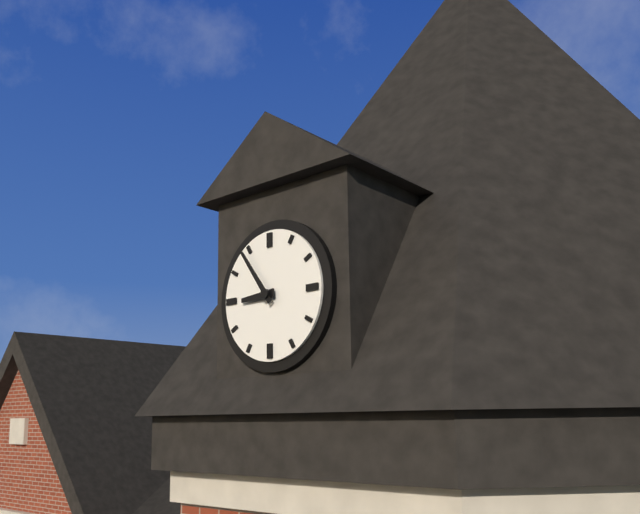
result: 8.54
